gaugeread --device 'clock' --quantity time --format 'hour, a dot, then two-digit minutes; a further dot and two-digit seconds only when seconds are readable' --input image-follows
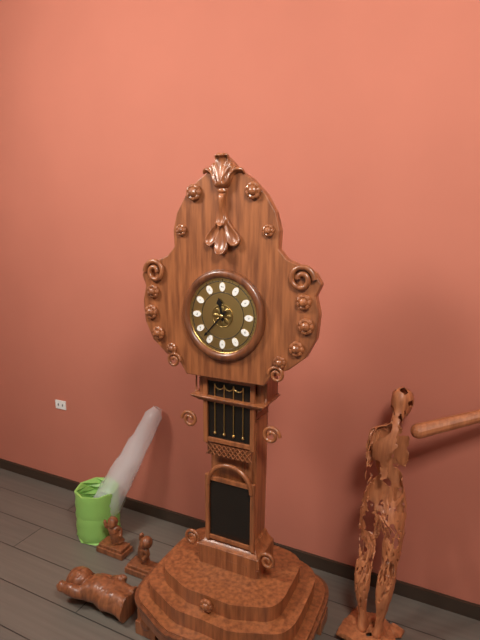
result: 11.37
